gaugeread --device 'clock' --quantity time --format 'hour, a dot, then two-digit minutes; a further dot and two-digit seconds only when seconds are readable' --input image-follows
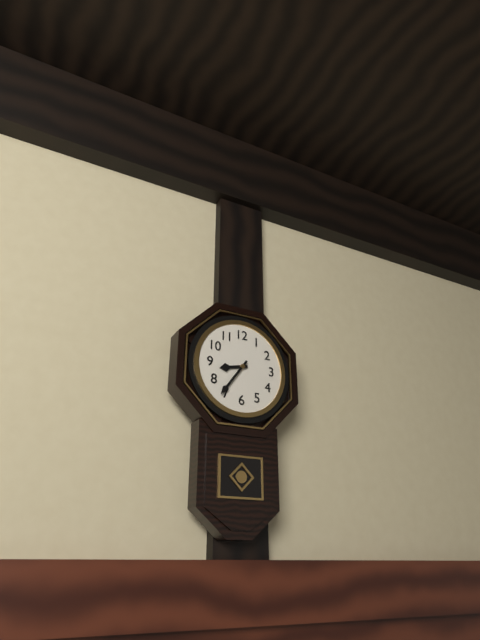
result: 8.36
